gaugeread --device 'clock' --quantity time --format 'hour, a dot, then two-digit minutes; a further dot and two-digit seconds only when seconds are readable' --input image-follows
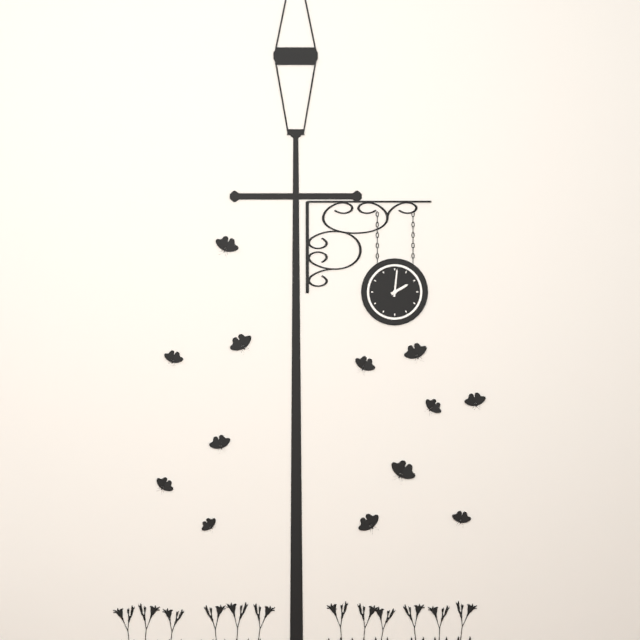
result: 2.01
